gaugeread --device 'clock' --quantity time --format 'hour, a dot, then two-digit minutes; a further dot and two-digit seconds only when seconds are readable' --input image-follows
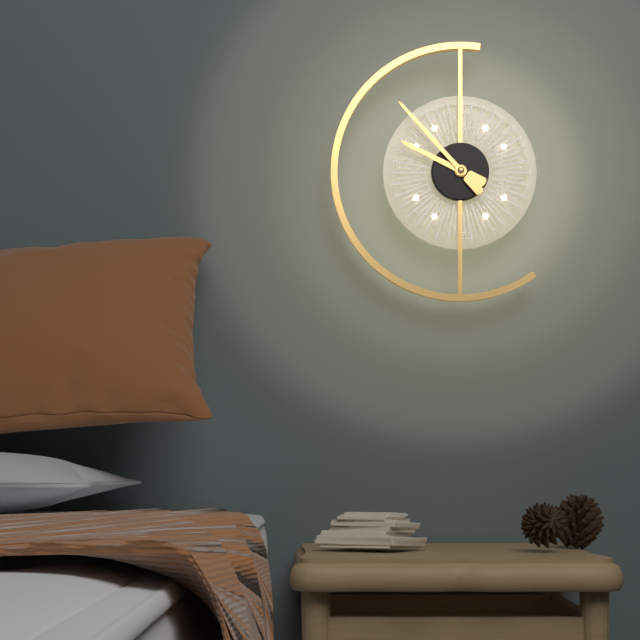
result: 9.53
